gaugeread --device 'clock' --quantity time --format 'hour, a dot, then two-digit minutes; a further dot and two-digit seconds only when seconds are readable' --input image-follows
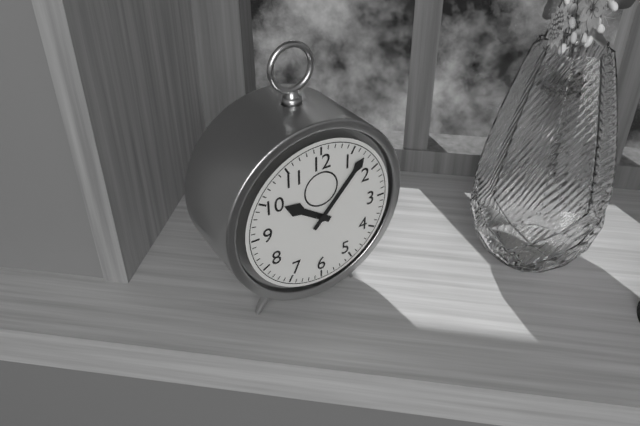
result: 10.07
